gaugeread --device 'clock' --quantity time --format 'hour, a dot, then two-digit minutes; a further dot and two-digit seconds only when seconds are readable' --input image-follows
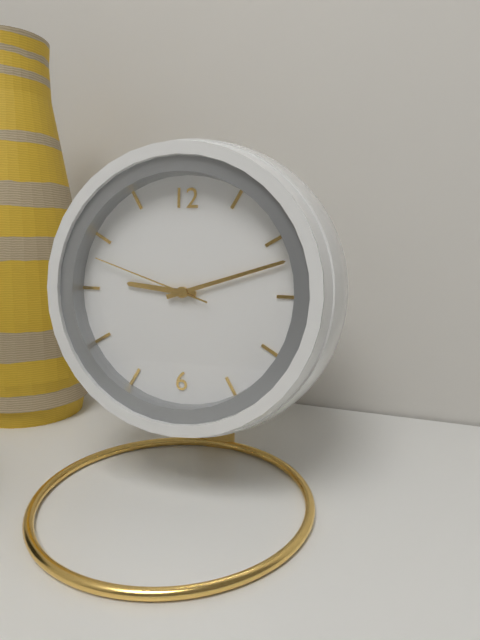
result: 9.12.48
